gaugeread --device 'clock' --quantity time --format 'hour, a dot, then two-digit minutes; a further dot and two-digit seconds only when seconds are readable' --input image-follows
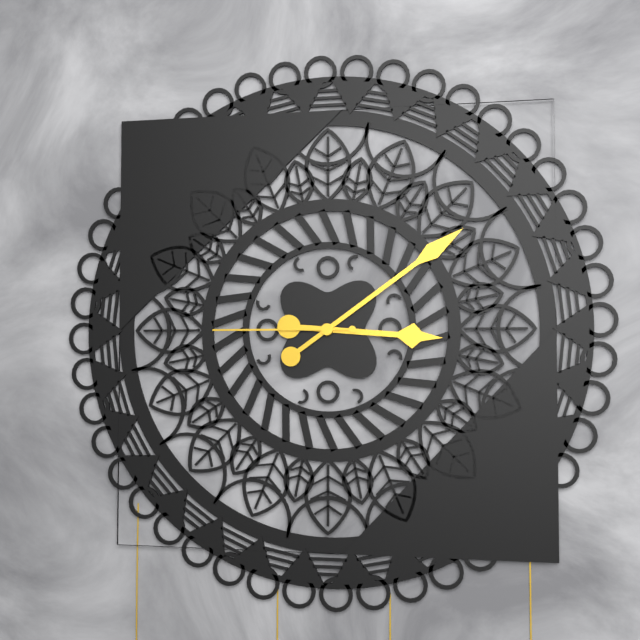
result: 3.09.45
